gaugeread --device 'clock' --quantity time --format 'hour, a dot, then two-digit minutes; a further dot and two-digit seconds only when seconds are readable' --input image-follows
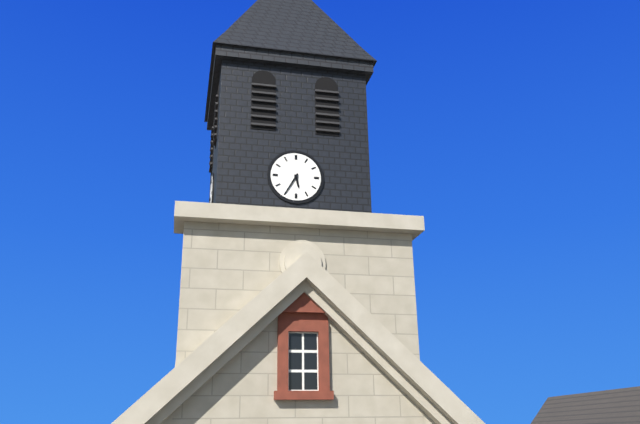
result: 5.35
